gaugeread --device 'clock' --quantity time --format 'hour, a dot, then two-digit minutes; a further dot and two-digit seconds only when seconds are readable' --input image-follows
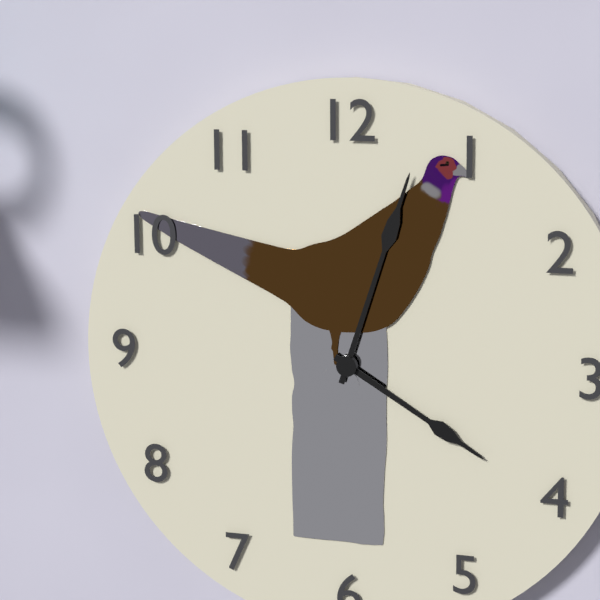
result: 4.03
